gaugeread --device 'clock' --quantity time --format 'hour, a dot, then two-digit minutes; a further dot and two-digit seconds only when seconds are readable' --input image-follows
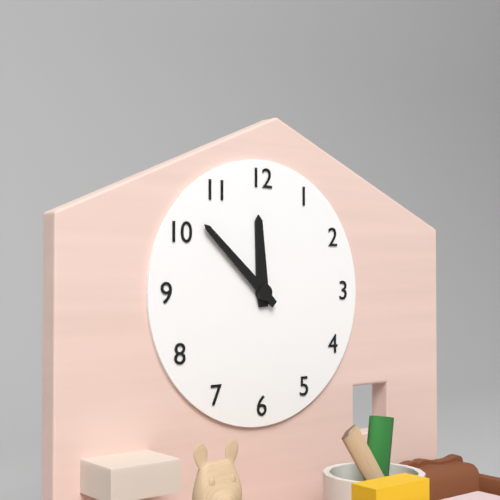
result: 11.52
